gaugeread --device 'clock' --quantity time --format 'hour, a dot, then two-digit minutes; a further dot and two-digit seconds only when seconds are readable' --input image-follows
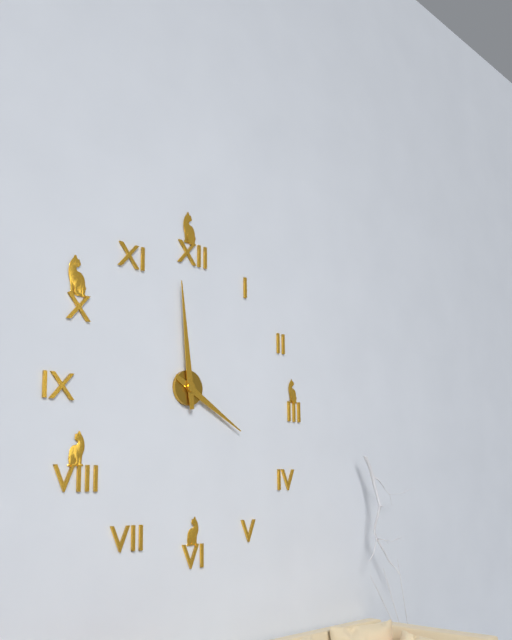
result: 3.59
